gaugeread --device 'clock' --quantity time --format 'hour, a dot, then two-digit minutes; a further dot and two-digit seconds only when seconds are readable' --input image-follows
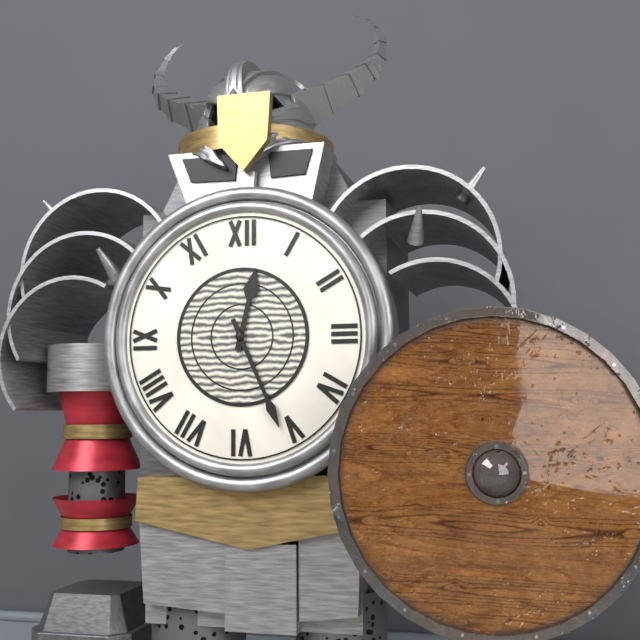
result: 12.26
